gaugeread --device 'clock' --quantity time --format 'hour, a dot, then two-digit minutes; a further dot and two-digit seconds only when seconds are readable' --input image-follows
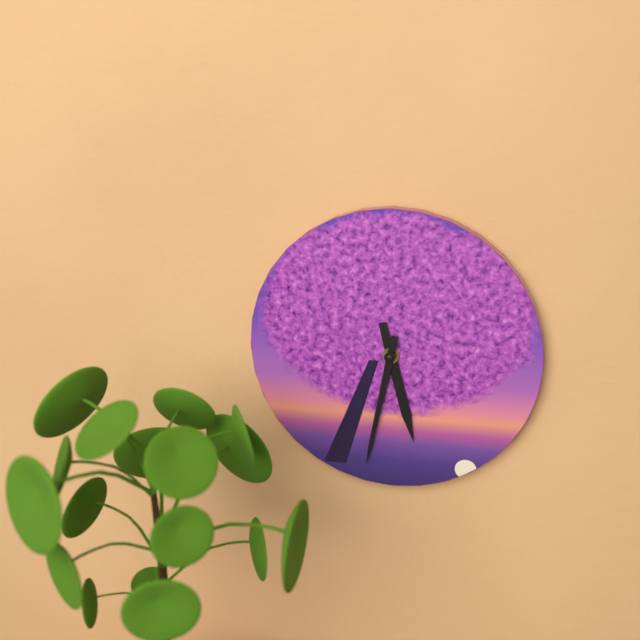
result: 5.32
